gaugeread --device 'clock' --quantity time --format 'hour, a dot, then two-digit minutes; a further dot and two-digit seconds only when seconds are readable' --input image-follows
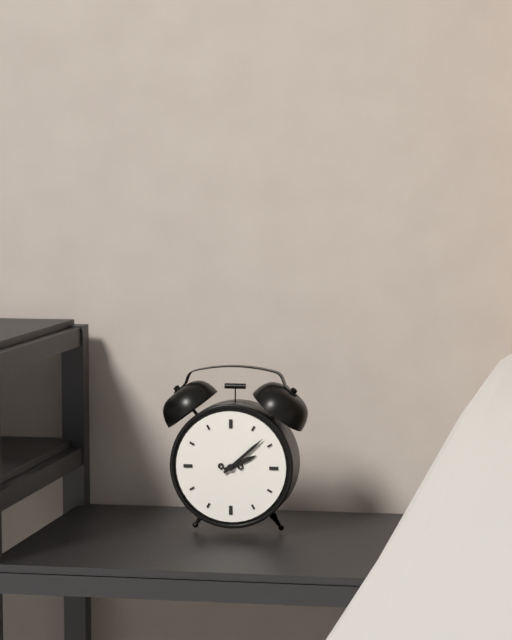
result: 2.08
